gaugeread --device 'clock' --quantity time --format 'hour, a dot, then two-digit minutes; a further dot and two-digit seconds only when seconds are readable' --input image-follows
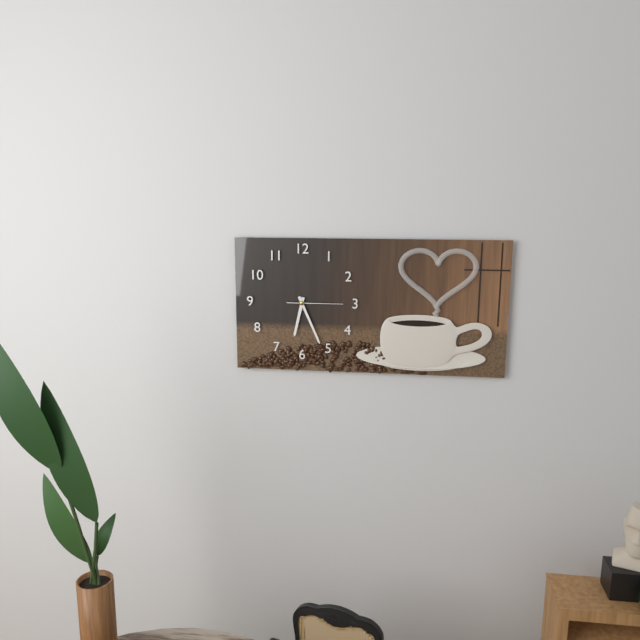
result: 6.26.15
